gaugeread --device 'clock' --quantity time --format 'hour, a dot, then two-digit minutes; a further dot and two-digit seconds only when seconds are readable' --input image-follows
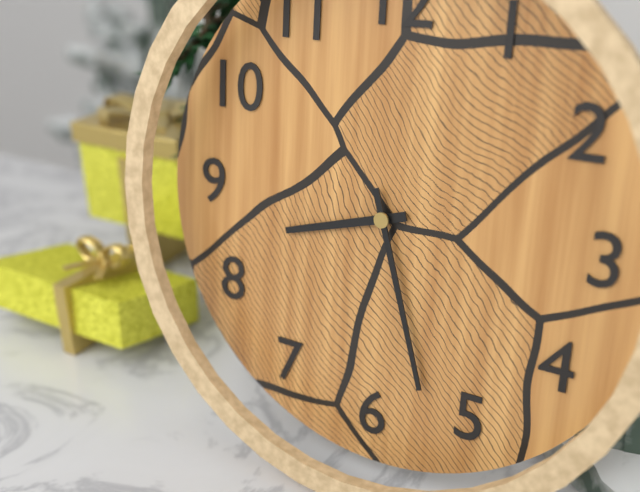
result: 8.27
